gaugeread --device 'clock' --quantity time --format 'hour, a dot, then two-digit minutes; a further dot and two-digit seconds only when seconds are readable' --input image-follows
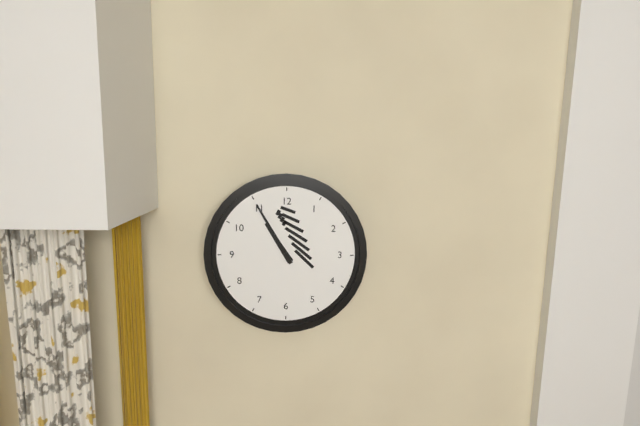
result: 10.55
